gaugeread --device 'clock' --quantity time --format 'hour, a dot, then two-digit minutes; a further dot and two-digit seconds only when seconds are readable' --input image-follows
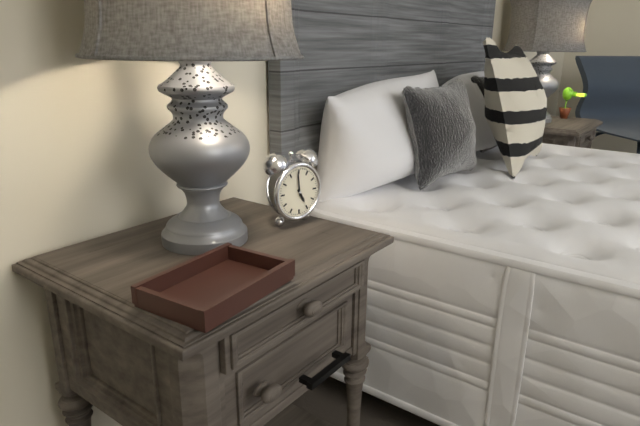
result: 4.59
